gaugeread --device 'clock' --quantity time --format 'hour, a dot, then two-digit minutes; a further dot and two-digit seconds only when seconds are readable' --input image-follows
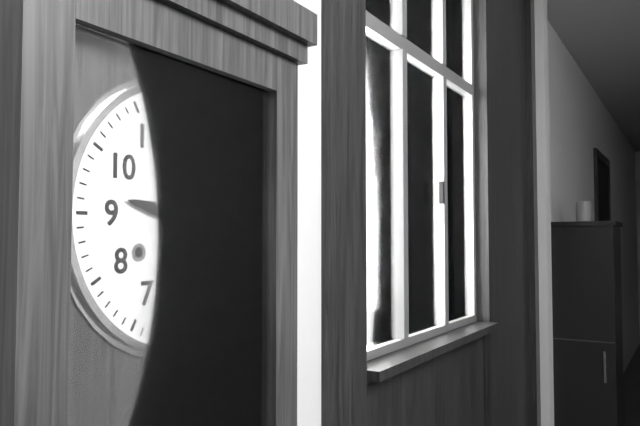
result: 9.22
